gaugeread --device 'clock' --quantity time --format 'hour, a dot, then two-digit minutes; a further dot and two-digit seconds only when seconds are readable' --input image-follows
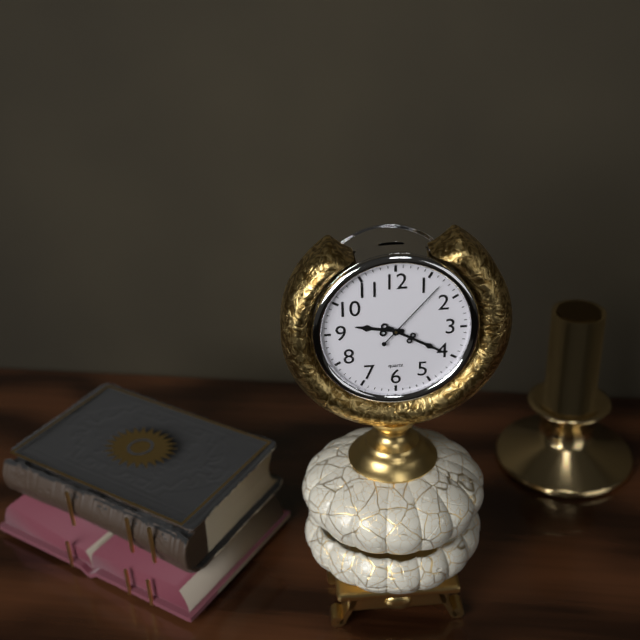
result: 9.20.07
